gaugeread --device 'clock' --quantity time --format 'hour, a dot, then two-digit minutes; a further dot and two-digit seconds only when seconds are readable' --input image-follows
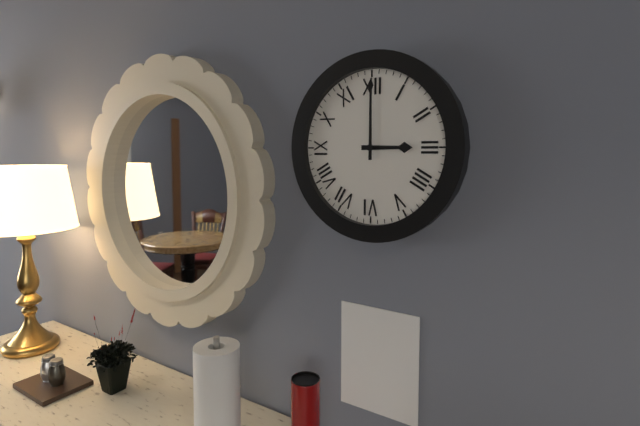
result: 3.00
